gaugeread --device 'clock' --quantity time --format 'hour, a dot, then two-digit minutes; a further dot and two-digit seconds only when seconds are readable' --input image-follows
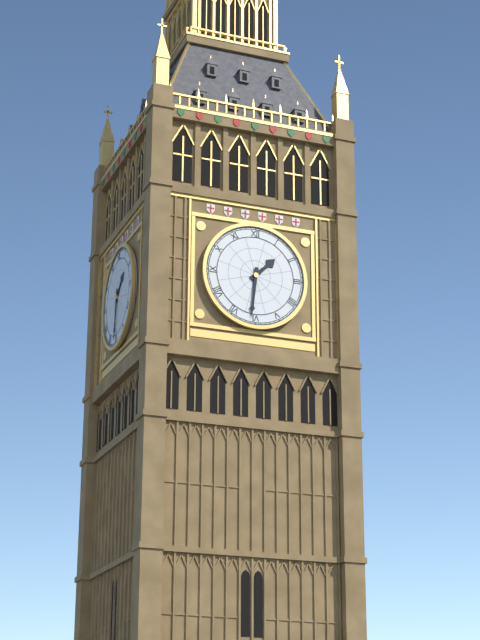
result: 1.31
